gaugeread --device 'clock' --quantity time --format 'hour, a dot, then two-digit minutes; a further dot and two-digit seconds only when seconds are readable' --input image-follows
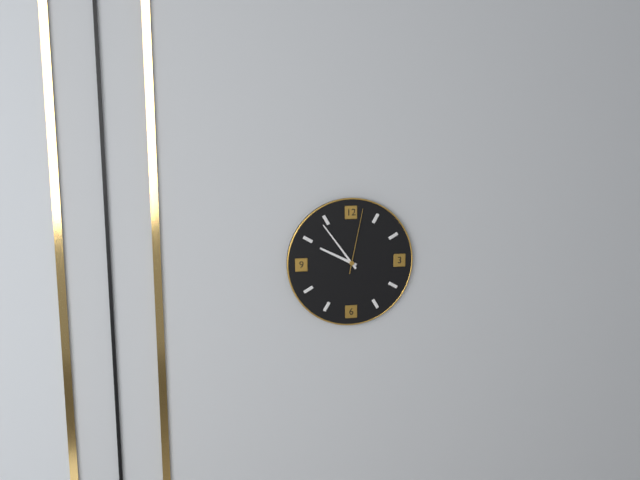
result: 9.54.02
